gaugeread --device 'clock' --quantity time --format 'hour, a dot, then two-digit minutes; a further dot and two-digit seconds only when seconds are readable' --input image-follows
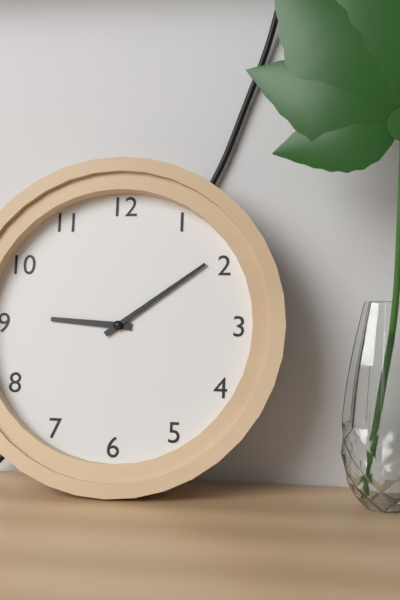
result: 9.09
